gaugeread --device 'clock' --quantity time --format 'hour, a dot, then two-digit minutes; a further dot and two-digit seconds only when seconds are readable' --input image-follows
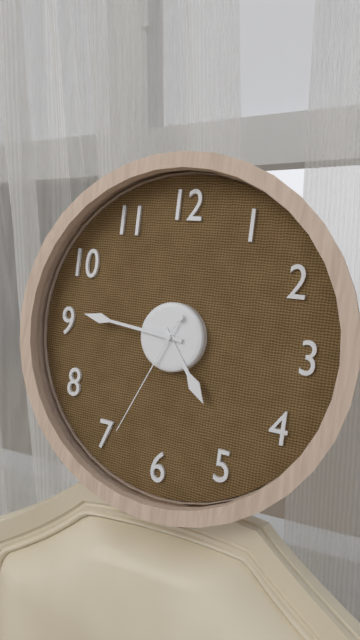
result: 4.46.34
